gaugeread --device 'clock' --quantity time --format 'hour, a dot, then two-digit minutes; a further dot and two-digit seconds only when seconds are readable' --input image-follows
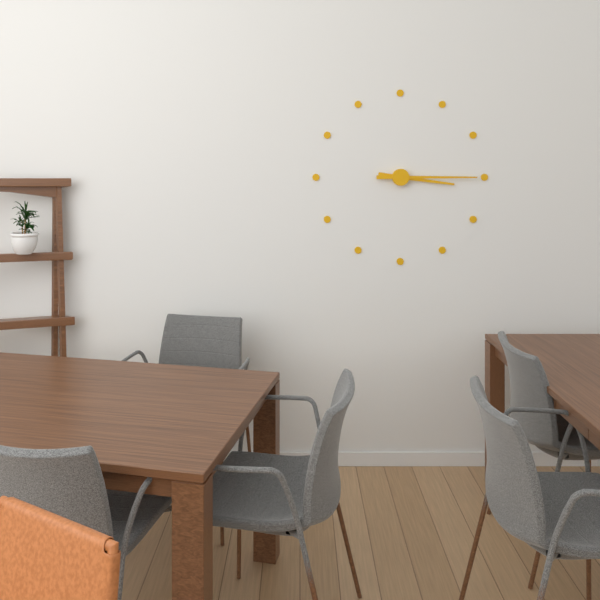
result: 3.15
